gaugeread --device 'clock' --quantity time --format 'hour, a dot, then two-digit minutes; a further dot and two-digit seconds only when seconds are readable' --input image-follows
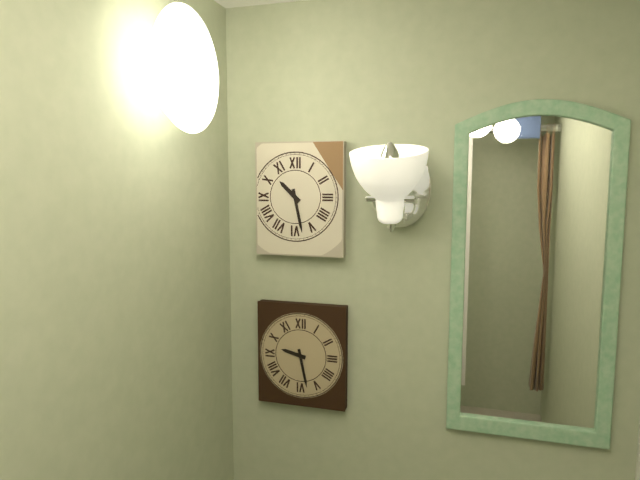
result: 10.28
